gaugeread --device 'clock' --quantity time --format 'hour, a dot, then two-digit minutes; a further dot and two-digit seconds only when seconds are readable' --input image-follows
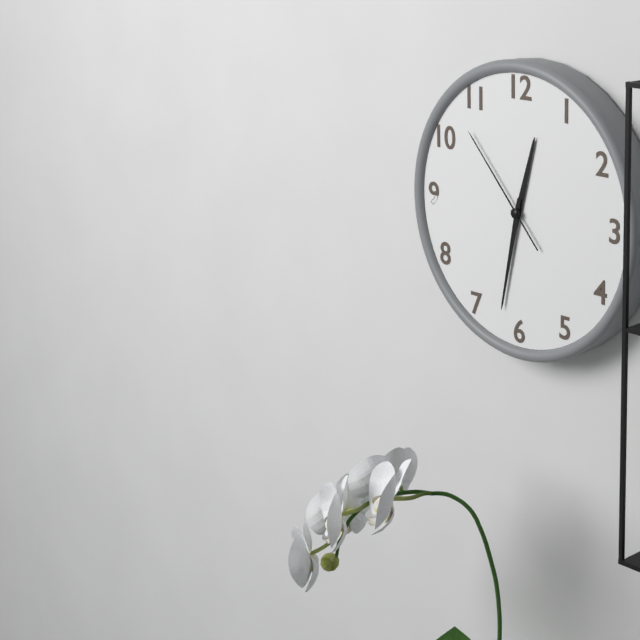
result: 12.32.53
